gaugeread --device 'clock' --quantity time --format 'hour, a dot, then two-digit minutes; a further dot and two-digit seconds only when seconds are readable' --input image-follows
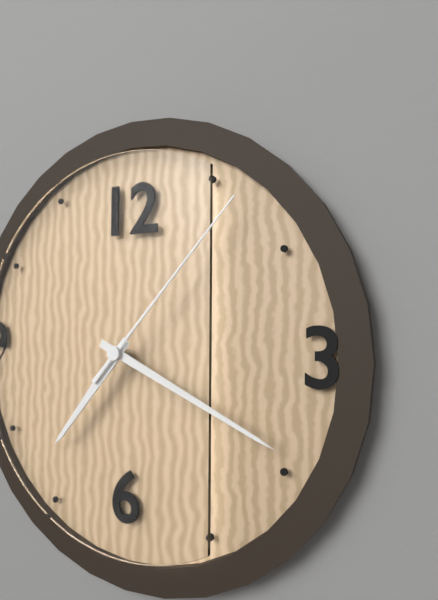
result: 7.19.07
